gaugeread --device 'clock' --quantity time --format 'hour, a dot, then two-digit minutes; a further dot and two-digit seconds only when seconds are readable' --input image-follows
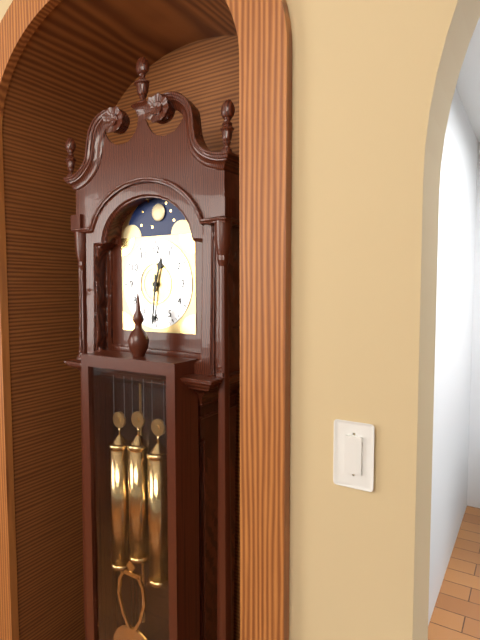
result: 12.31
